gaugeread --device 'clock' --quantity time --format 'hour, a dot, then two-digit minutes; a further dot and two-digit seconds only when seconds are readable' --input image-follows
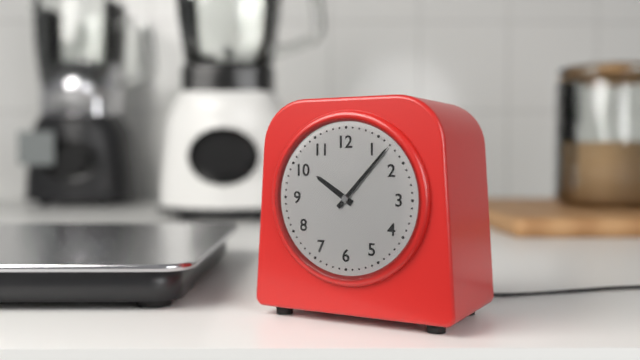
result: 10.07
